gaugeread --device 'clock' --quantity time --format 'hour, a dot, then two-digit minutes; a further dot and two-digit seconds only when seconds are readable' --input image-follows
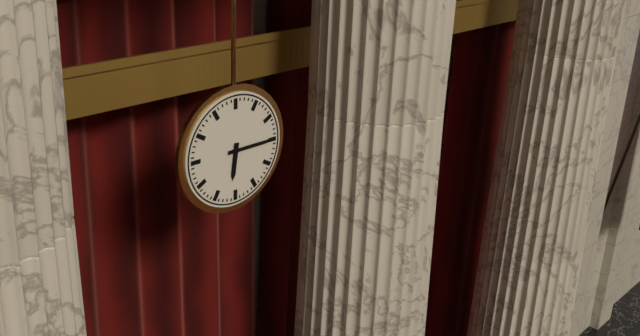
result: 6.15
